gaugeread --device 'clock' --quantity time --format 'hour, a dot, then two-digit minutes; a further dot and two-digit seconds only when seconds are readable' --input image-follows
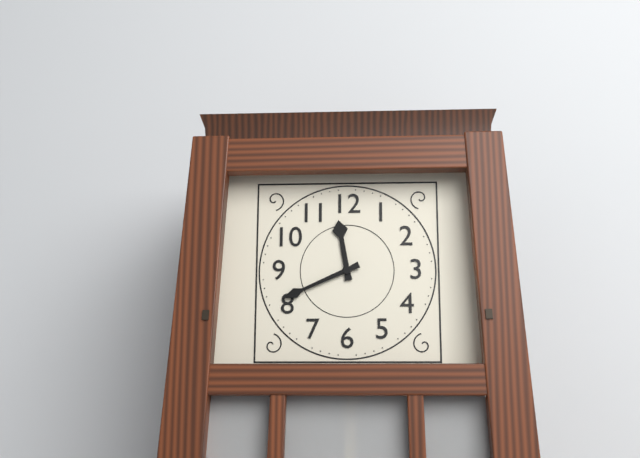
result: 11.41
